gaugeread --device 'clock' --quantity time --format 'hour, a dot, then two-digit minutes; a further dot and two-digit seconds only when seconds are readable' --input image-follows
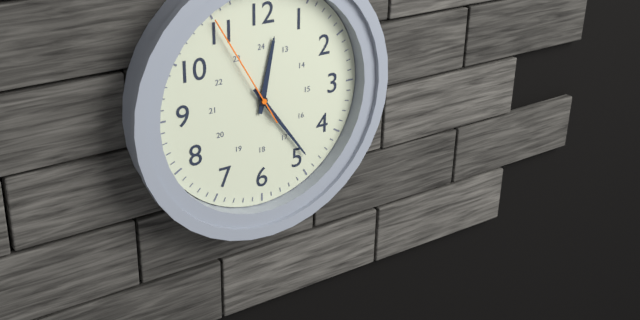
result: 12.24.55
